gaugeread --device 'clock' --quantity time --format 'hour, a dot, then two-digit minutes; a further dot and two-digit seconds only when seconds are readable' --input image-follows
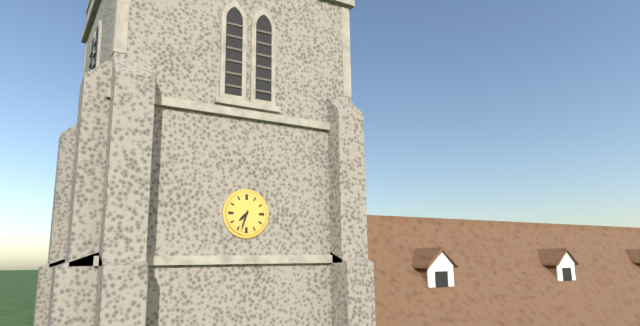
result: 7.33
